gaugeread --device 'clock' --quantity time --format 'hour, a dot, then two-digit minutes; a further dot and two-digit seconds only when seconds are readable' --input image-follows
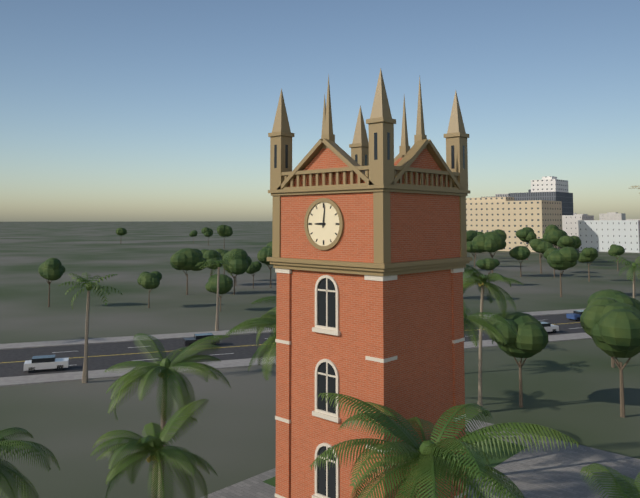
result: 9.01
